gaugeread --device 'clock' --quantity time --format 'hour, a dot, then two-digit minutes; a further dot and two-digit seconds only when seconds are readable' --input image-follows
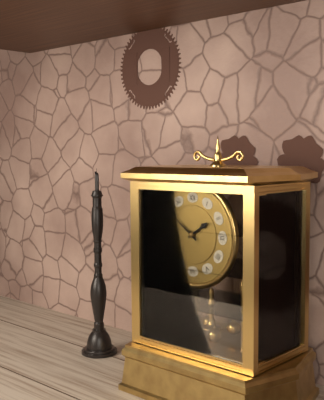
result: 1.51
